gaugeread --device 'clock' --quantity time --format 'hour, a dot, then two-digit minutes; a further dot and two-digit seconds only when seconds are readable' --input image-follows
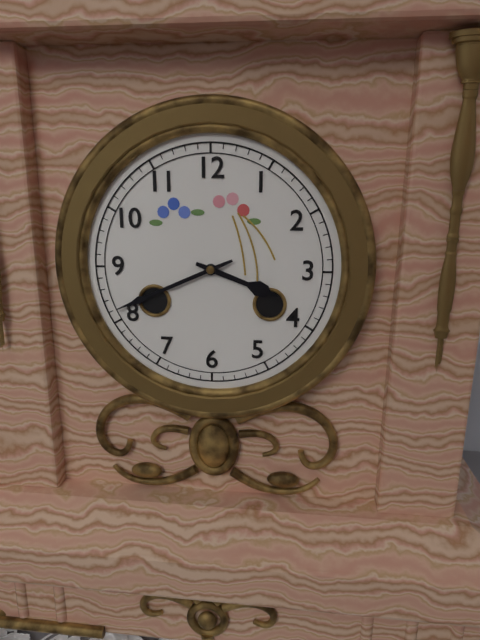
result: 3.41
